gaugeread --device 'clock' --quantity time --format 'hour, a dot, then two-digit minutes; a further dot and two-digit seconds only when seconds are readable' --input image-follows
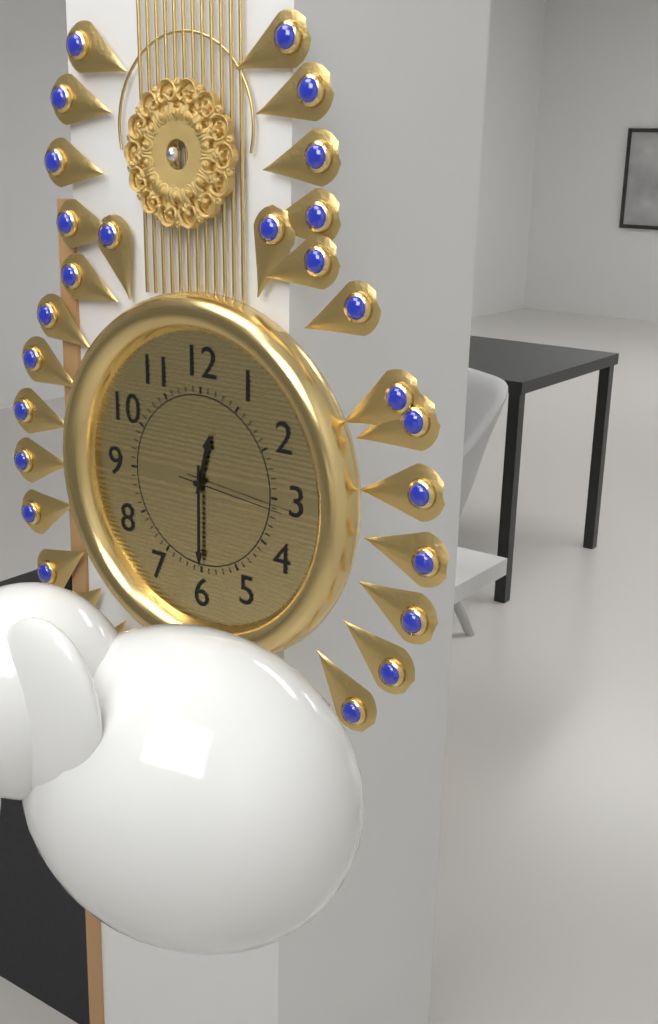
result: 12.30.16
